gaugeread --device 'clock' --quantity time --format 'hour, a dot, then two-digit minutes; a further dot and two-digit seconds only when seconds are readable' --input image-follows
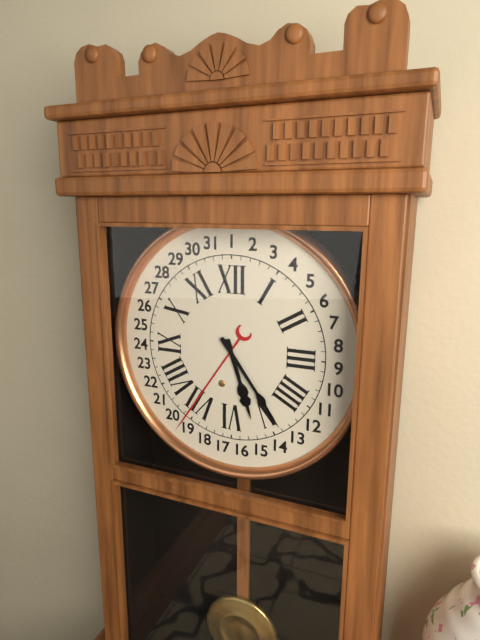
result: 5.24
